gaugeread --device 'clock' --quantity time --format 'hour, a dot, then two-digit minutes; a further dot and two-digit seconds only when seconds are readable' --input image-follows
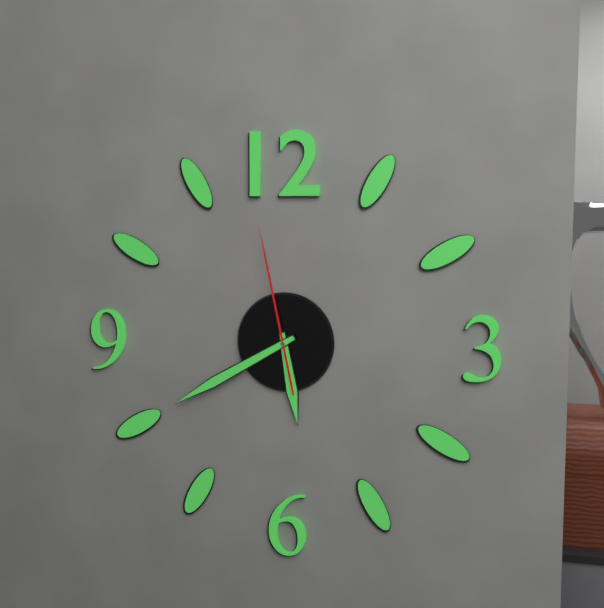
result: 5.40.58
